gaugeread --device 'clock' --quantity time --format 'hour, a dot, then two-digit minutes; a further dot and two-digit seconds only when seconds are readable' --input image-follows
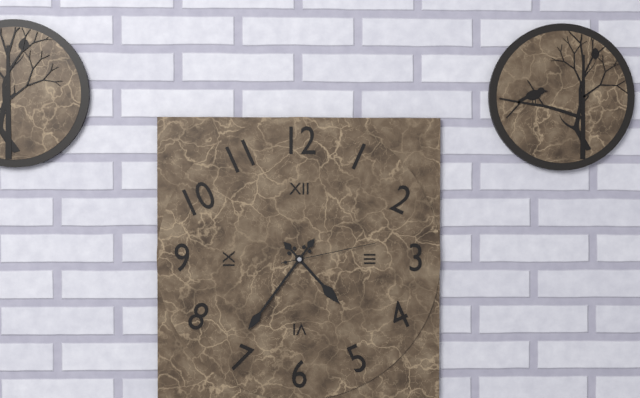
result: 4.36.13
